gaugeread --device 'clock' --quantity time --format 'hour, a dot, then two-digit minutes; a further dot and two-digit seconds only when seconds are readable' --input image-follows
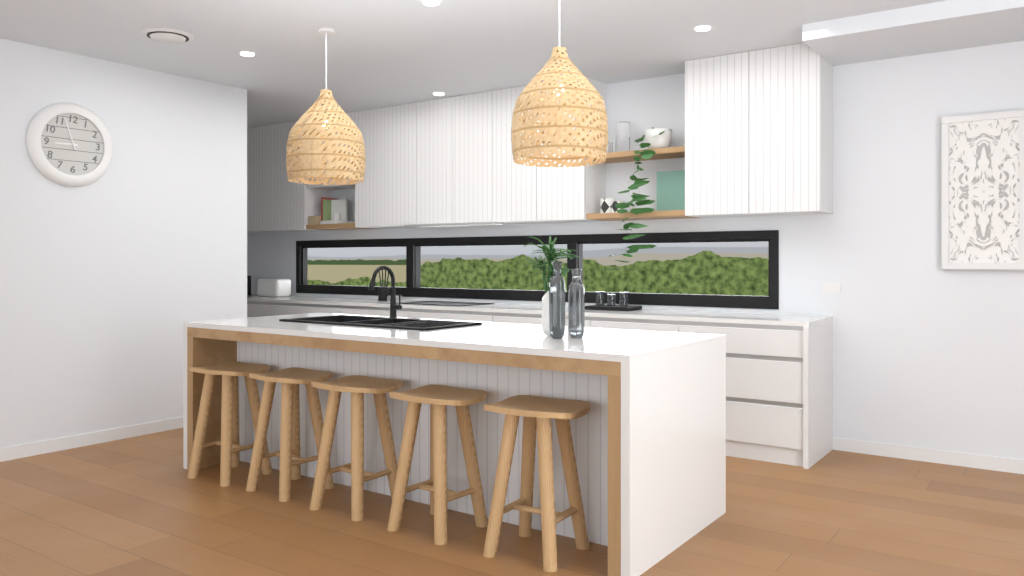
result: 8.57
